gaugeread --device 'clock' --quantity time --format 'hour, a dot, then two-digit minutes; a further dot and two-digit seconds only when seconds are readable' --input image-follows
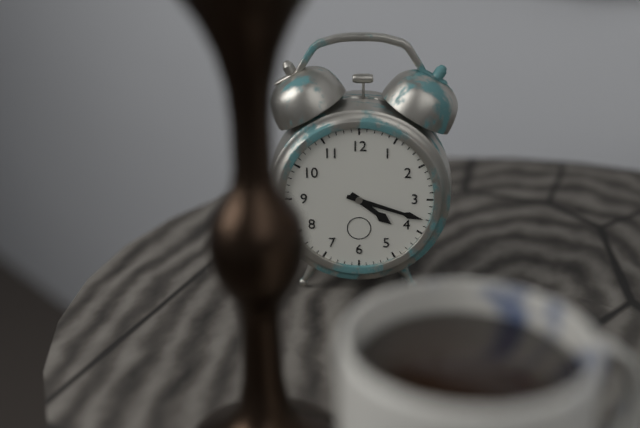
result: 4.18
